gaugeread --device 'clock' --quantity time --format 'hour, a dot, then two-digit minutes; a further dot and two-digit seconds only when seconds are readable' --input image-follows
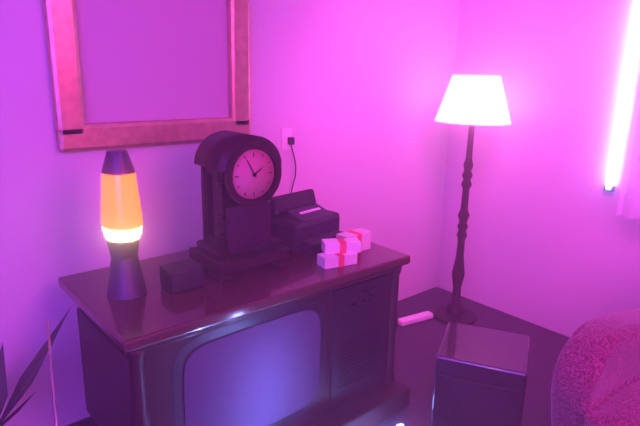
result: 1.55
